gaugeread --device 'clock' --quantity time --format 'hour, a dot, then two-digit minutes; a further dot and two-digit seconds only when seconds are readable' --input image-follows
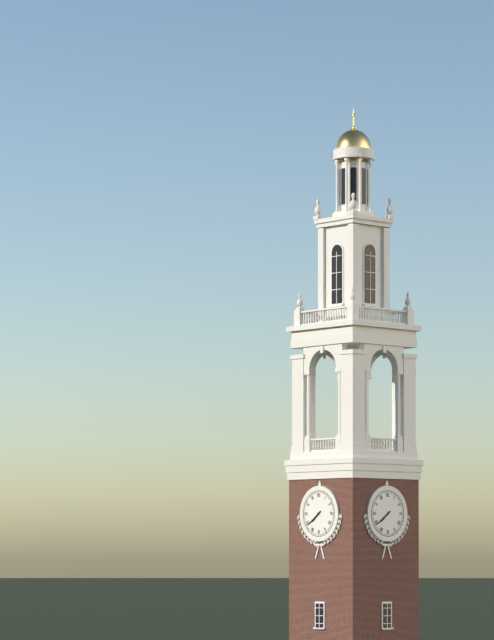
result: 7.39
